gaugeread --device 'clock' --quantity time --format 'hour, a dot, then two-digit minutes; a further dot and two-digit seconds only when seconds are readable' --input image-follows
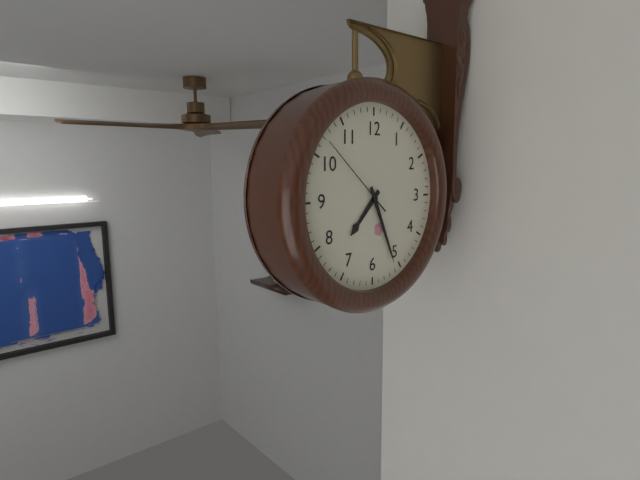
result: 7.26.52
